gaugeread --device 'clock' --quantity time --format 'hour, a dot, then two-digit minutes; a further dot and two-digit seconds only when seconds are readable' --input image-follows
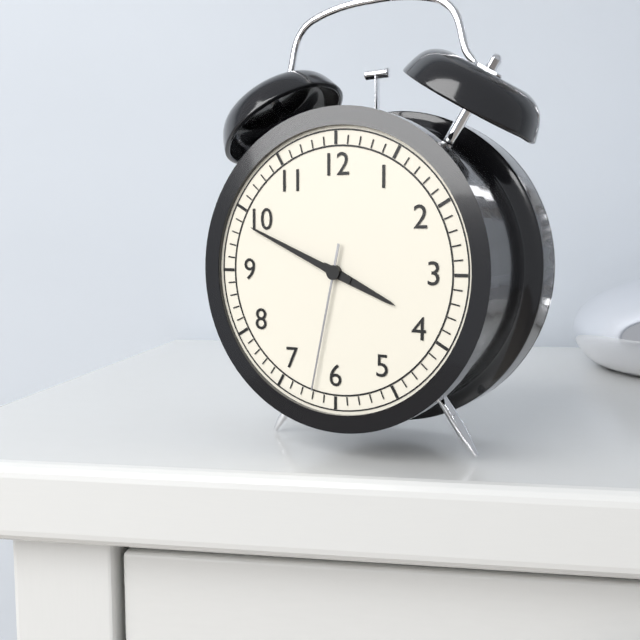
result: 3.49.32
